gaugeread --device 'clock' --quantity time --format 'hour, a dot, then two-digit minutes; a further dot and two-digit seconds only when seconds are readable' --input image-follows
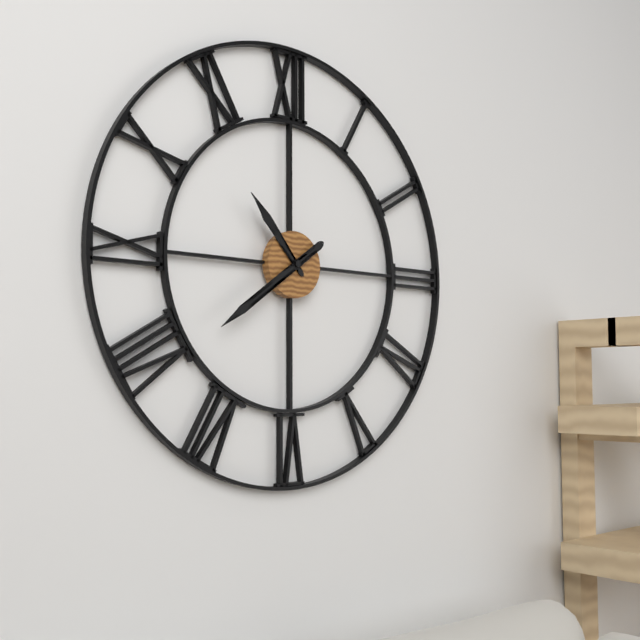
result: 10.39
